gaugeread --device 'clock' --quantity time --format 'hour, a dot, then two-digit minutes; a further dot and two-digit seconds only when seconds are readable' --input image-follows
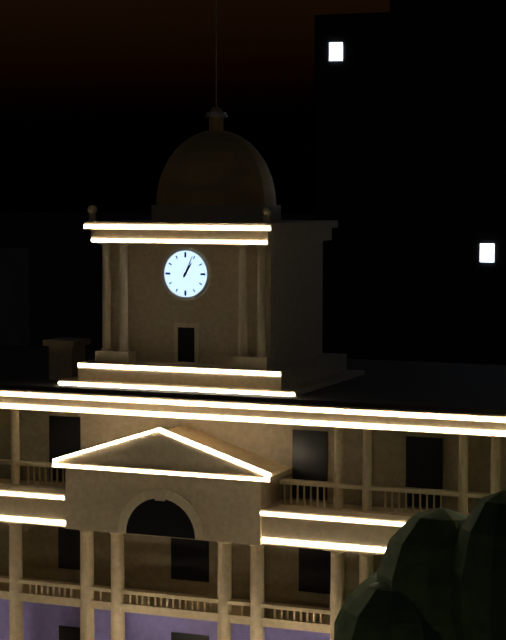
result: 1.04
